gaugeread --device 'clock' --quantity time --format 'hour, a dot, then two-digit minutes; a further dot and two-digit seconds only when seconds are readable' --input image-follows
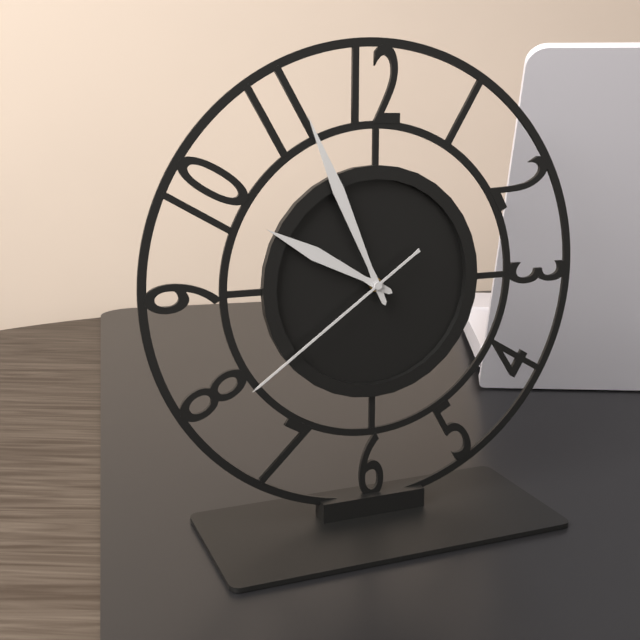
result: 9.56.39
